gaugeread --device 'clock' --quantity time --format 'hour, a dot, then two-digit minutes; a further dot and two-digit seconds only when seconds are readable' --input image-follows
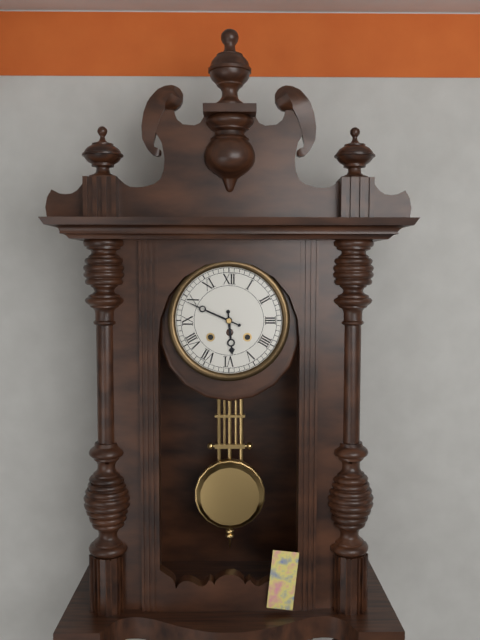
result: 5.49
